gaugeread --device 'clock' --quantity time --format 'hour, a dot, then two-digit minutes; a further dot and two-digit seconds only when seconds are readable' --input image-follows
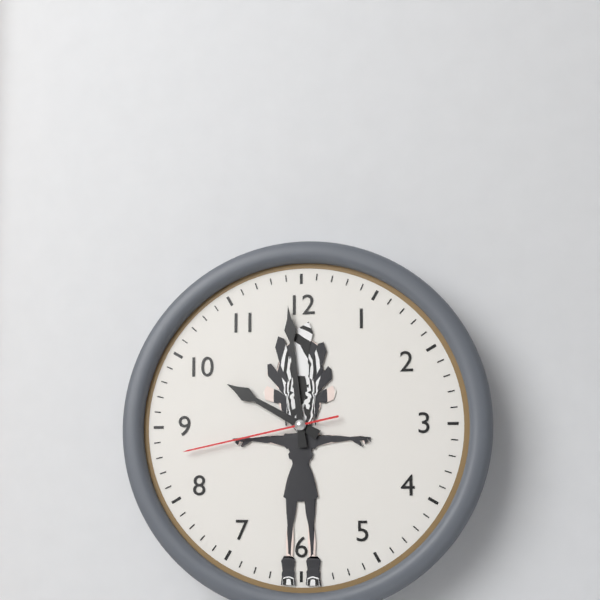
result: 9.59.43
